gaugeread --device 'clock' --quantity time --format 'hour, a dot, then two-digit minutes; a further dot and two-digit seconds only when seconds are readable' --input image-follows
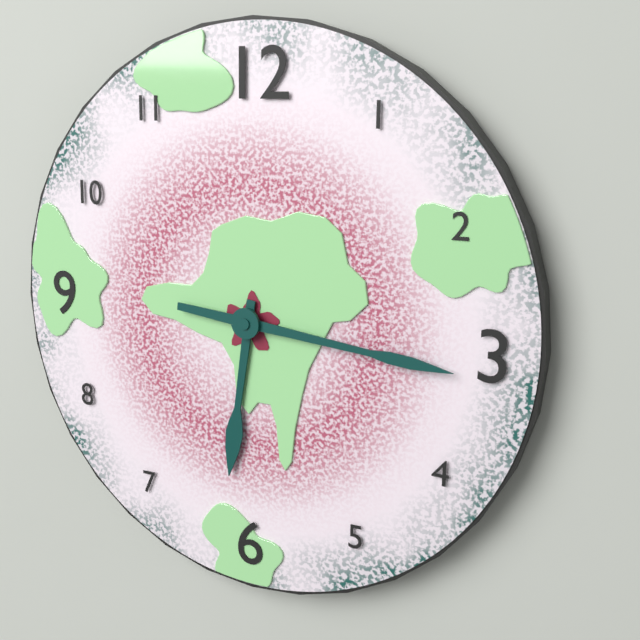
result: 6.16
